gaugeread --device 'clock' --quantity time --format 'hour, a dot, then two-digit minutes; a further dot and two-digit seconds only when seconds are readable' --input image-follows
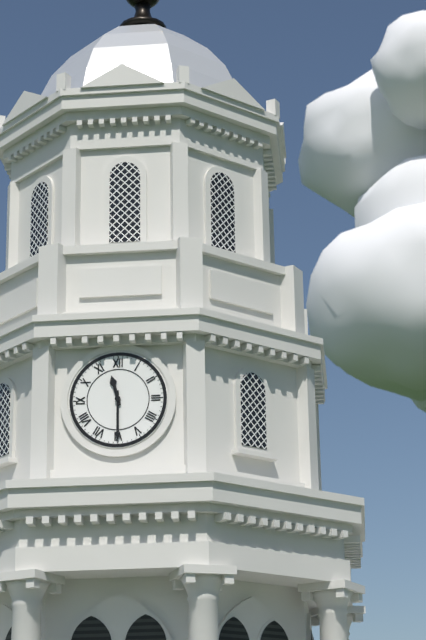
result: 11.30
